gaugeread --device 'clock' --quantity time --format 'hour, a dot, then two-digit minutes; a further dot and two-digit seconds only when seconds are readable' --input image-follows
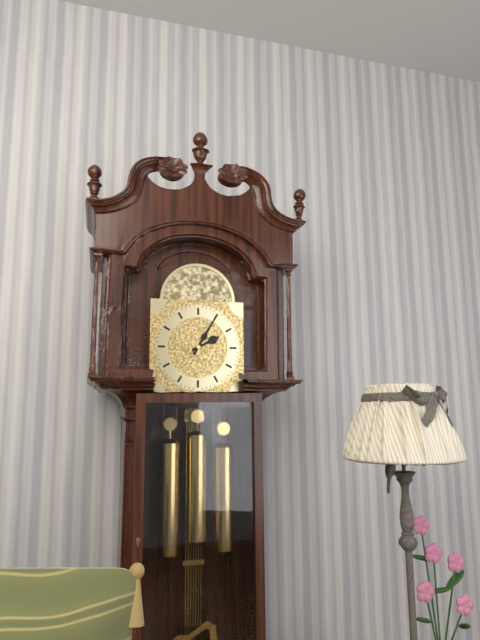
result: 2.05
